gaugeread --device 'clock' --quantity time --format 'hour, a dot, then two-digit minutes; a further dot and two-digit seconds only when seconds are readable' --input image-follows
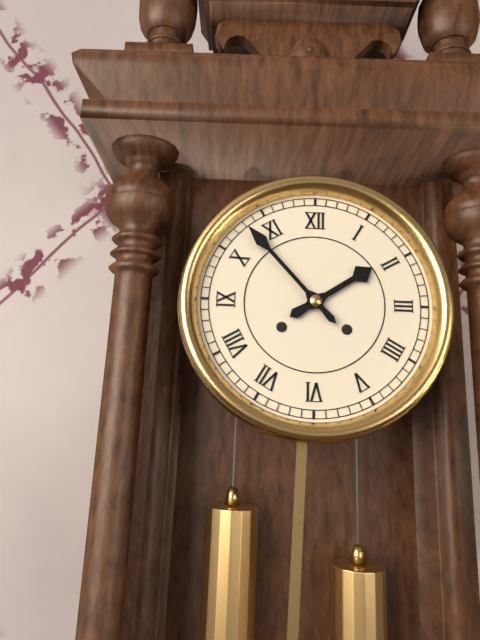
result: 1.53
